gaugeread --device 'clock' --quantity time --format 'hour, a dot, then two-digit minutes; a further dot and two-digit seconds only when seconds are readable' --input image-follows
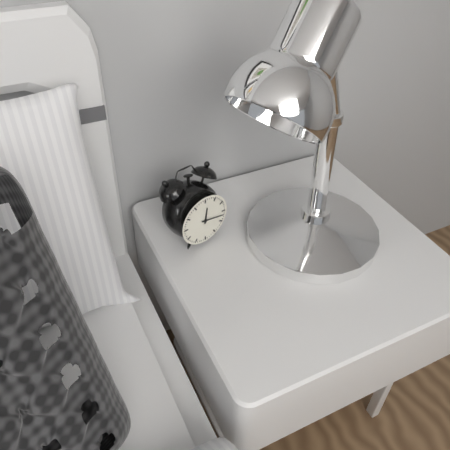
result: 12.17
